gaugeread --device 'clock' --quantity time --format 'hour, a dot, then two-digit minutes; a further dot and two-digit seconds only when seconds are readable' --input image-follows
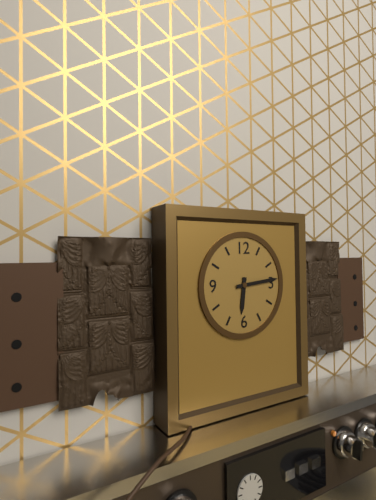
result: 6.14
